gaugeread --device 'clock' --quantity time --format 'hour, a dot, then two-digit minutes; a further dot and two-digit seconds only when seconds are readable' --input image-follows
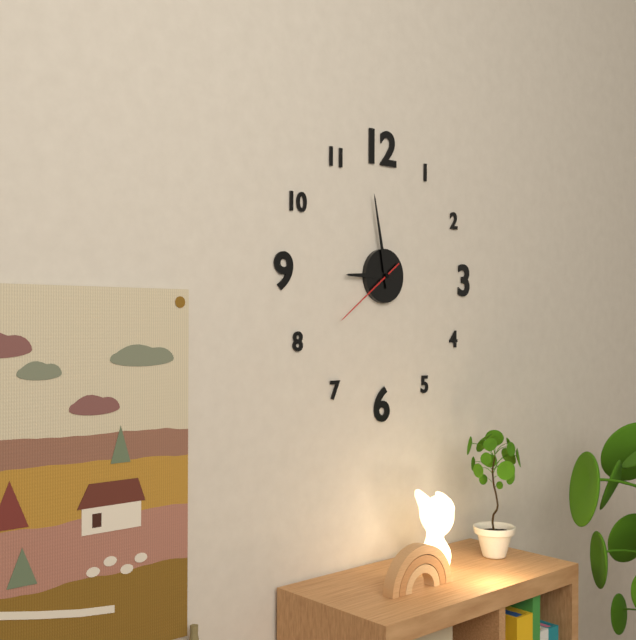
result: 8.58.39
